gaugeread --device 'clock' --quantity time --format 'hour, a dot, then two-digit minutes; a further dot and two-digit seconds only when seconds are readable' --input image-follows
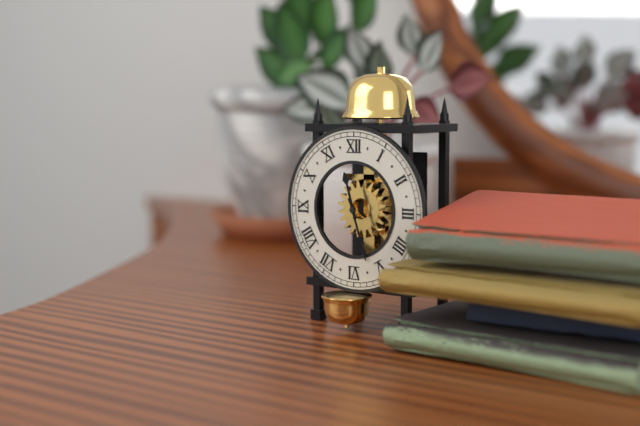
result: 11.27
